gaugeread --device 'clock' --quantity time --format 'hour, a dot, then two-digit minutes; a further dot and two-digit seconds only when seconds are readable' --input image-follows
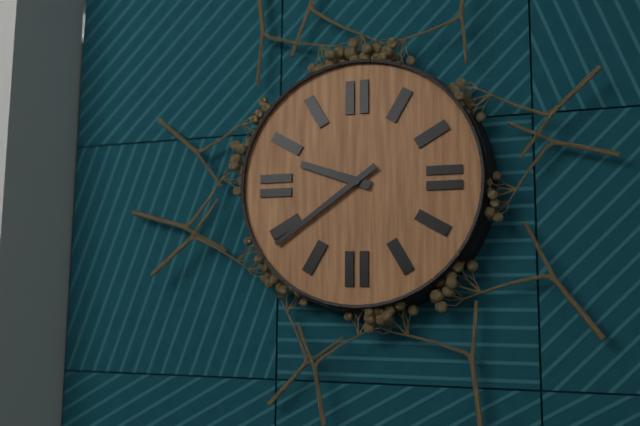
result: 9.39
